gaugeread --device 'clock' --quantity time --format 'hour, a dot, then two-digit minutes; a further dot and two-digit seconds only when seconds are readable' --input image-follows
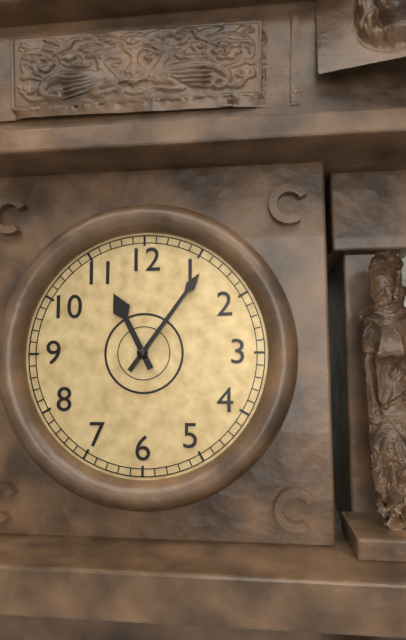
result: 11.06
